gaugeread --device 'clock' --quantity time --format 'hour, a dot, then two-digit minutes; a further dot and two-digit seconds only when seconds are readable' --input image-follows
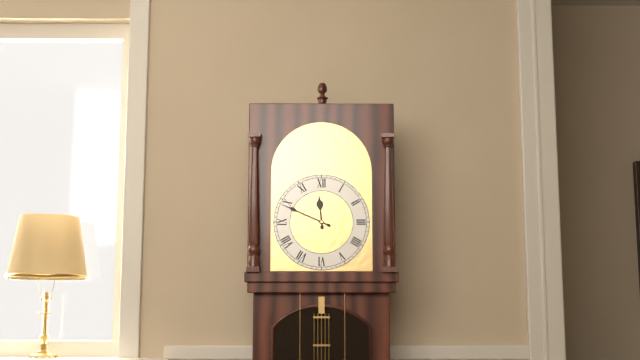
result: 11.49
